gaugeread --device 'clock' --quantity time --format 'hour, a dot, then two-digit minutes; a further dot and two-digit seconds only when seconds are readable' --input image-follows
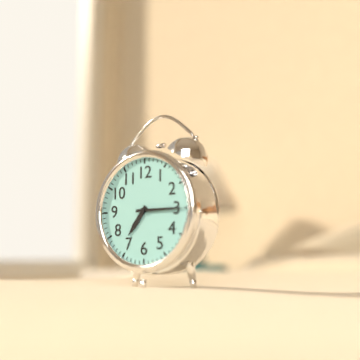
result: 7.15
